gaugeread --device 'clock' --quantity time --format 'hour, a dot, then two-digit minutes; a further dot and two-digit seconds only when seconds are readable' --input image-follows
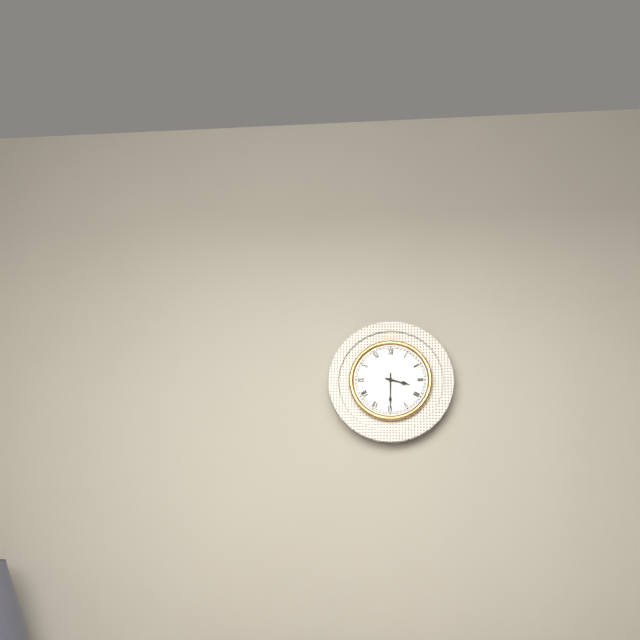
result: 3.30
